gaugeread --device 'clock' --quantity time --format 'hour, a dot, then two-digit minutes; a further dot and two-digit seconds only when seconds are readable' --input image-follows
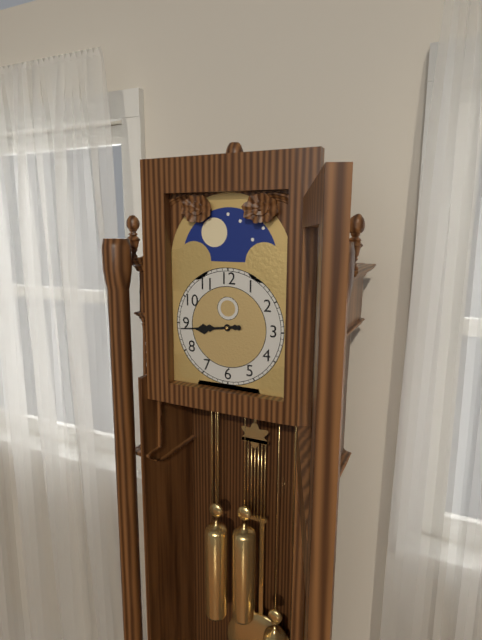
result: 8.44
